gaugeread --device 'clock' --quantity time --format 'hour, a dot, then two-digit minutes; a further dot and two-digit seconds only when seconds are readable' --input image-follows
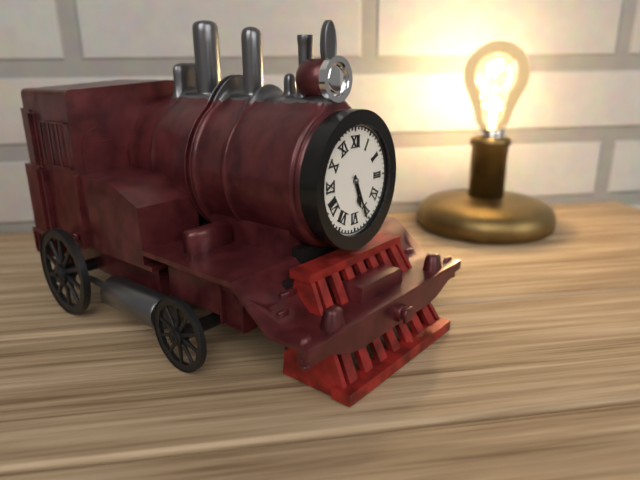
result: 5.26
